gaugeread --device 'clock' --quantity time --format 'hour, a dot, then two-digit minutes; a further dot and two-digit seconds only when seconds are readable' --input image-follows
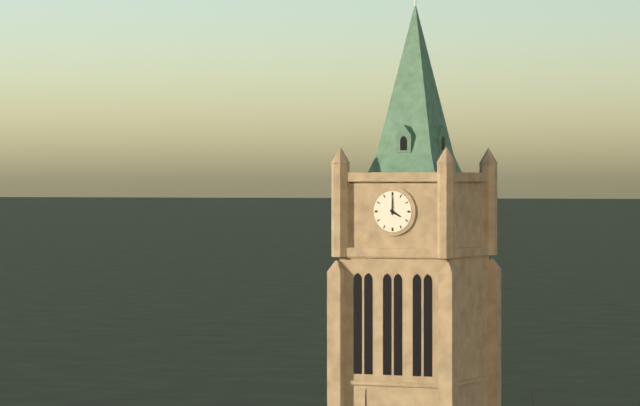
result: 4.00
